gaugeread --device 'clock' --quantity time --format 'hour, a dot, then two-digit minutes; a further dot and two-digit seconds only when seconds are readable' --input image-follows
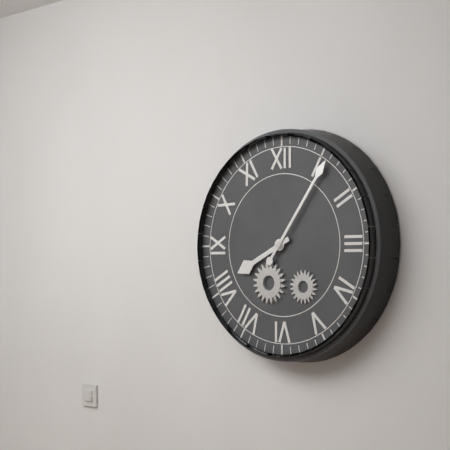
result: 8.06
